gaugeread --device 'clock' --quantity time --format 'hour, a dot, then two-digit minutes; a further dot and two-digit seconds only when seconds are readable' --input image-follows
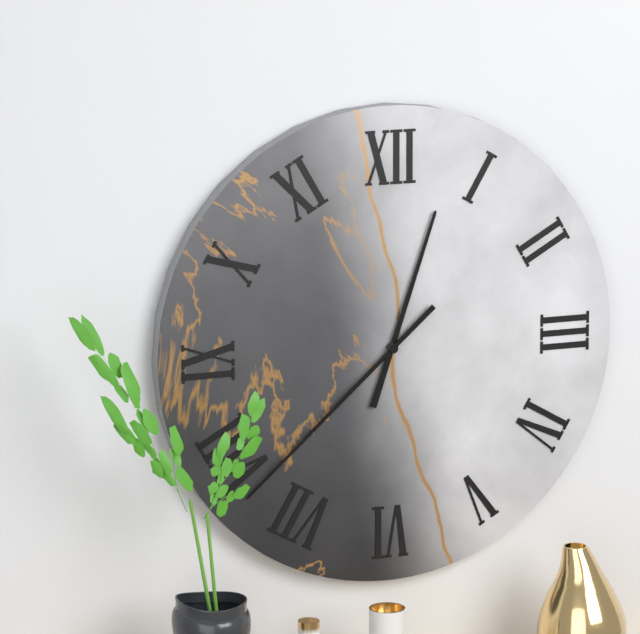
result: 12.38
